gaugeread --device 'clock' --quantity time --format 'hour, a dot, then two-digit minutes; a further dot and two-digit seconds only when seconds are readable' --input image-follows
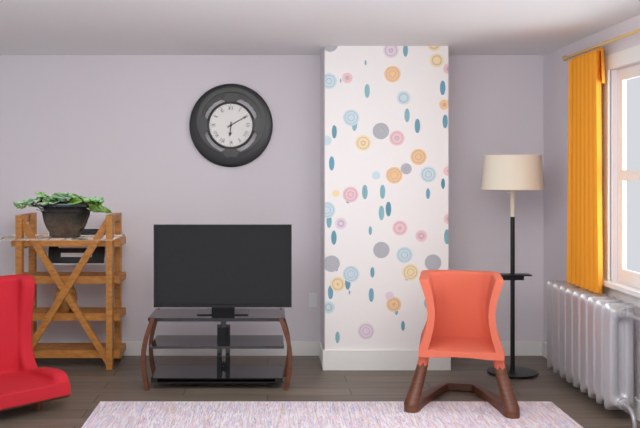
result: 6.10
